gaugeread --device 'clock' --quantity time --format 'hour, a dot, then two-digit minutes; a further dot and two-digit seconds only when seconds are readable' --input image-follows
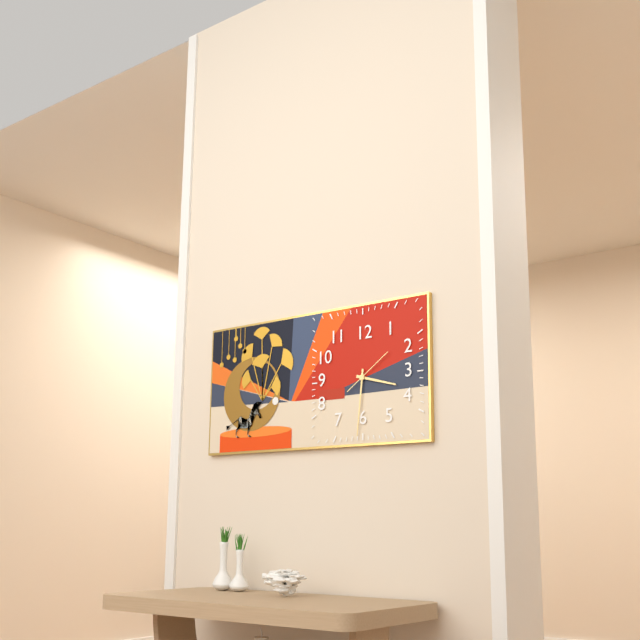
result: 3.31
